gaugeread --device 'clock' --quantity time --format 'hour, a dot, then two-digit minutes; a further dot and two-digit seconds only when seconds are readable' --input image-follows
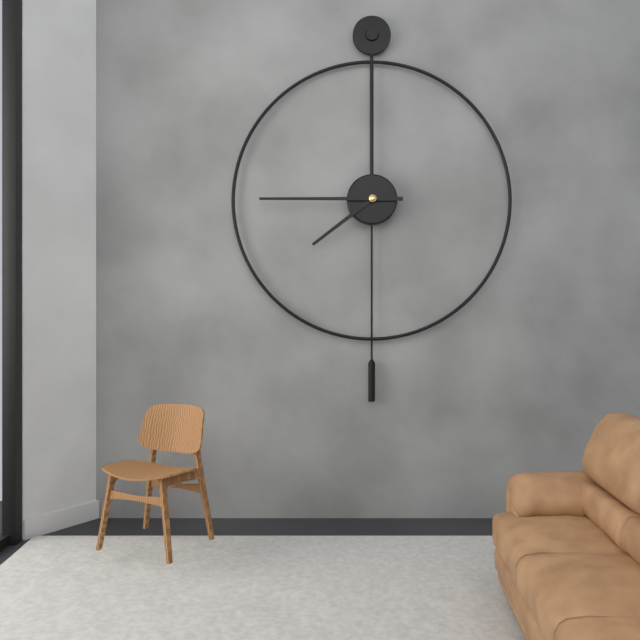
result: 7.45
